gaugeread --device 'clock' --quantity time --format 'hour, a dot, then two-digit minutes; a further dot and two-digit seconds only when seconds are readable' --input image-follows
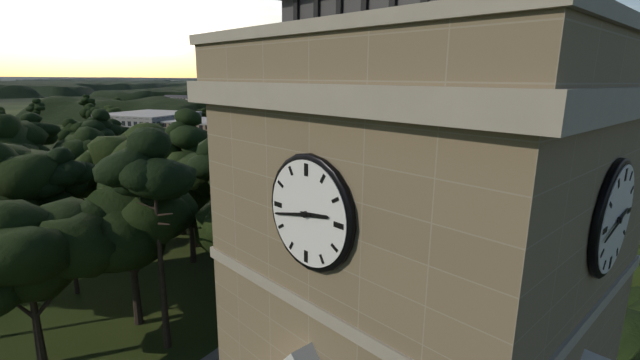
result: 2.43
